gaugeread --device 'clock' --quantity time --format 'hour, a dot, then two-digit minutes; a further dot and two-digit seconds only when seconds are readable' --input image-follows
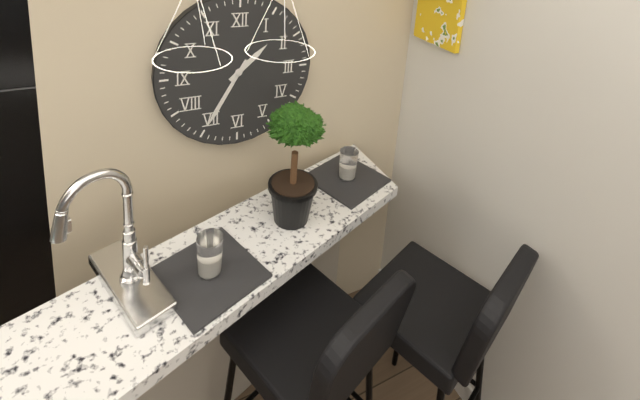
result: 1.35
